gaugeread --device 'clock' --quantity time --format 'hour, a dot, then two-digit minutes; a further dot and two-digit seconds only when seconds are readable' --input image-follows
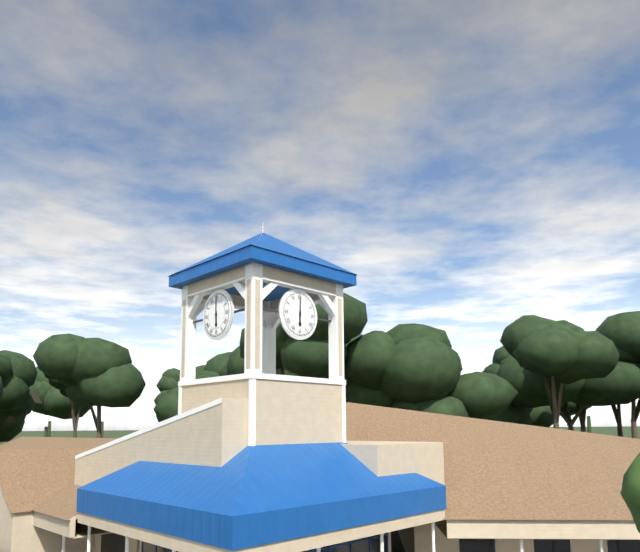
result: 6.00
